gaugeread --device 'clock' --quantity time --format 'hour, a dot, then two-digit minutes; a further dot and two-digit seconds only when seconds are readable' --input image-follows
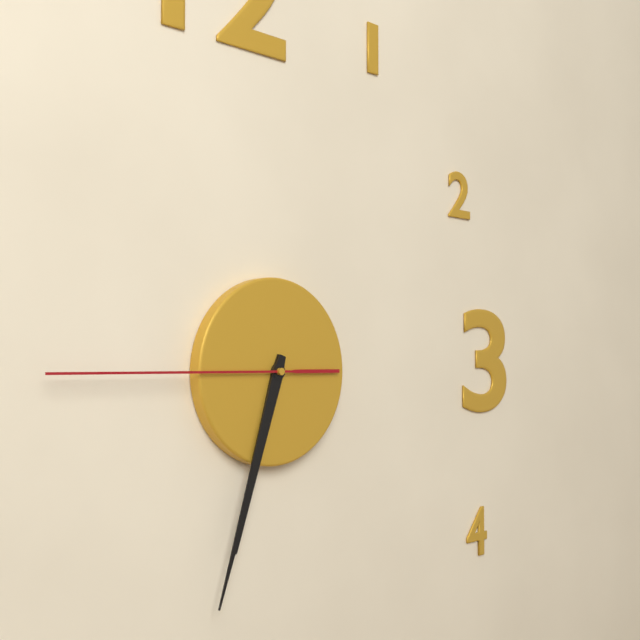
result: 6.33.45
